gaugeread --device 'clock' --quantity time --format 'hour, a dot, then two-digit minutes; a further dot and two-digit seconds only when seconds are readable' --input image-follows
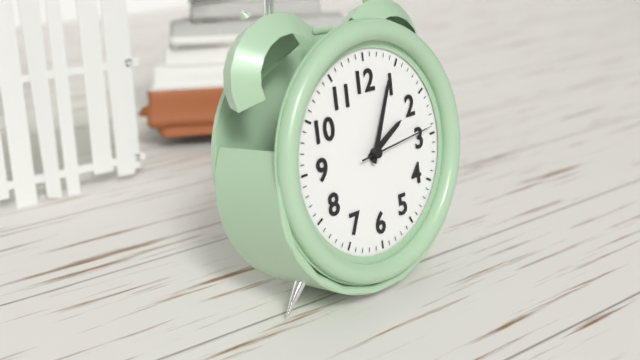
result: 2.04.14
